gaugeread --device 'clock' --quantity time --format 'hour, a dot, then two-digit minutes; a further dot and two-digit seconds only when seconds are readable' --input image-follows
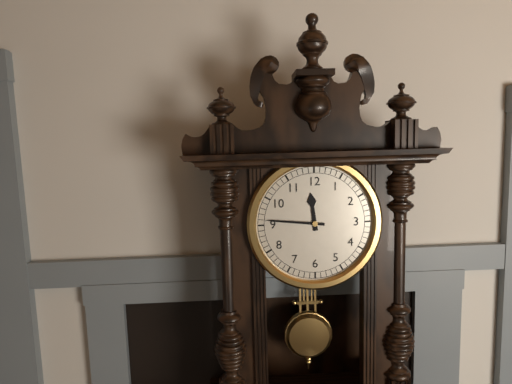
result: 11.46
